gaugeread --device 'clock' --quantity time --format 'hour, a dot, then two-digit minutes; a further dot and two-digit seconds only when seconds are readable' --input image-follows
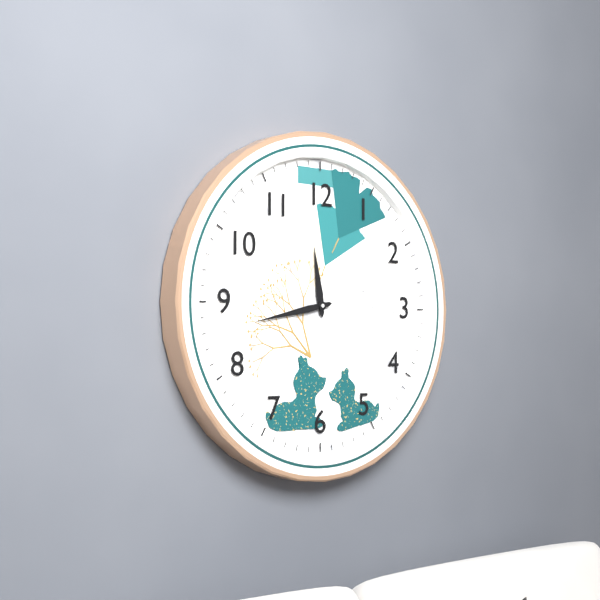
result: 11.43
